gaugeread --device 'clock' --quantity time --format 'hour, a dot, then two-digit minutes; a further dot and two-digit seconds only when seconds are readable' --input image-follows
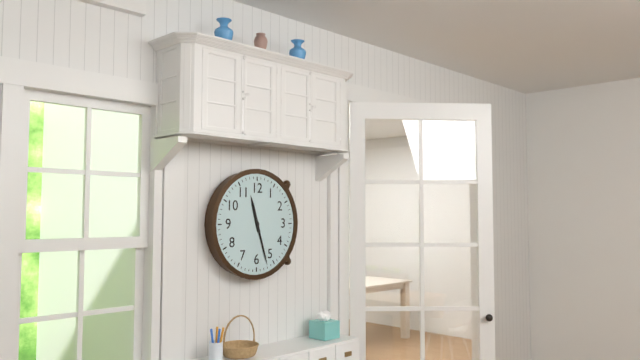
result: 11.27
